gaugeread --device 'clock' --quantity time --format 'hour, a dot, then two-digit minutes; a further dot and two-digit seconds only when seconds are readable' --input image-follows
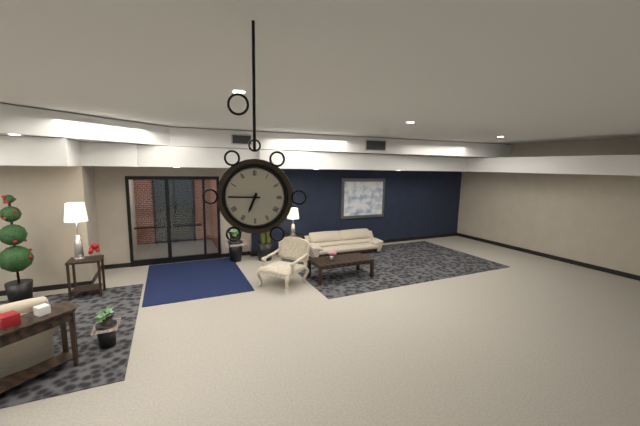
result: 6.45
